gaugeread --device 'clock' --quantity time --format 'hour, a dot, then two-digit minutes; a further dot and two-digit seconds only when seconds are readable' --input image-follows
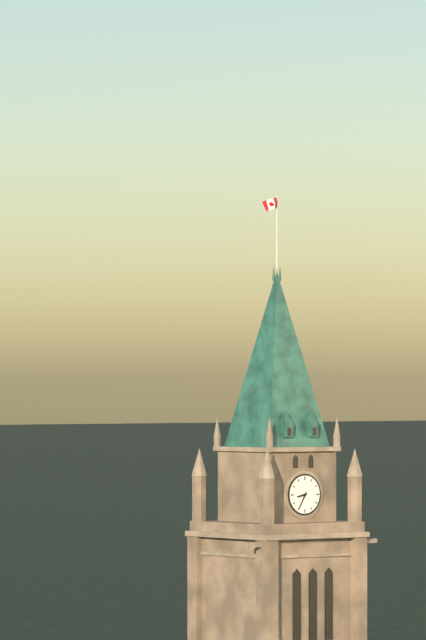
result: 8.35
